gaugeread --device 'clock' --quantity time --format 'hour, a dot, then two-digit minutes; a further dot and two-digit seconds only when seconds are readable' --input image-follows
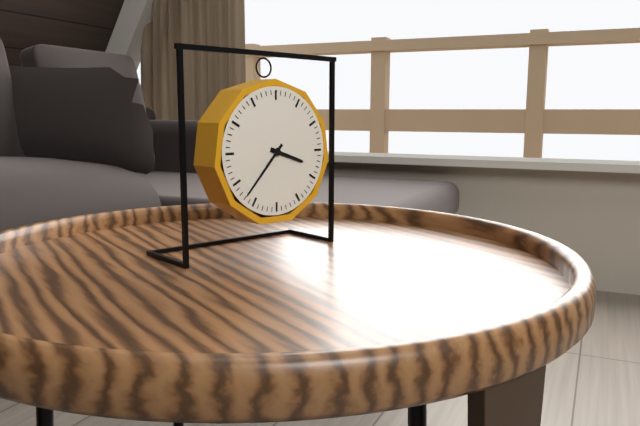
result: 3.37
